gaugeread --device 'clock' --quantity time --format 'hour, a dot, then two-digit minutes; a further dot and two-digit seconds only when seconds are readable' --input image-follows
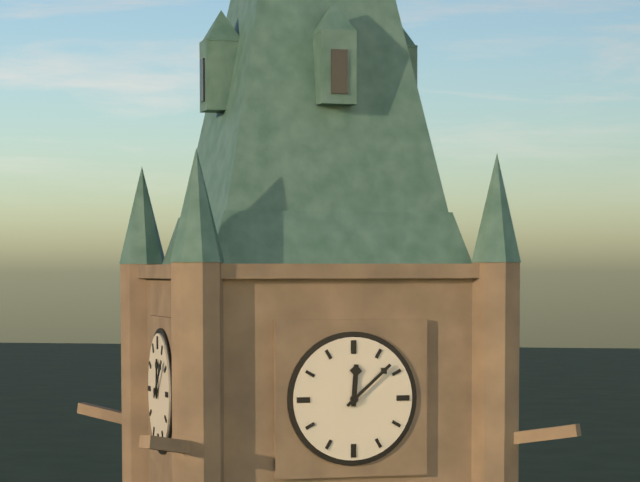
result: 12.08
